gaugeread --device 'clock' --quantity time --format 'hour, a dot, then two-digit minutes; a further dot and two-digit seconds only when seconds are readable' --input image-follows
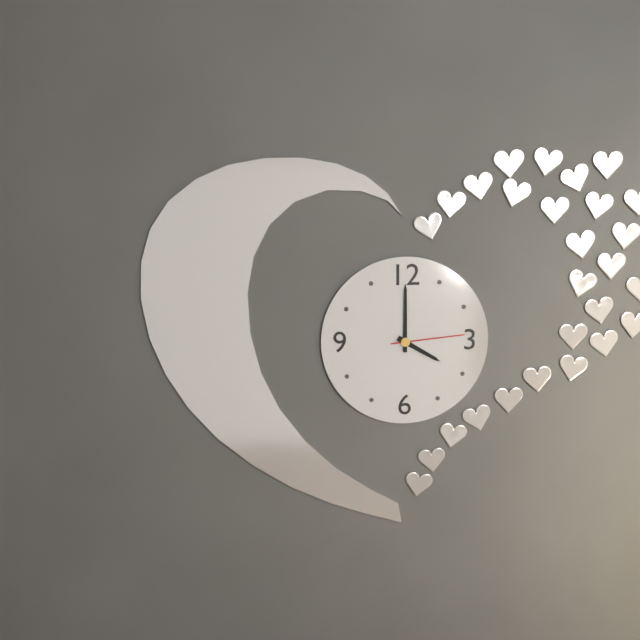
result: 4.00.14
